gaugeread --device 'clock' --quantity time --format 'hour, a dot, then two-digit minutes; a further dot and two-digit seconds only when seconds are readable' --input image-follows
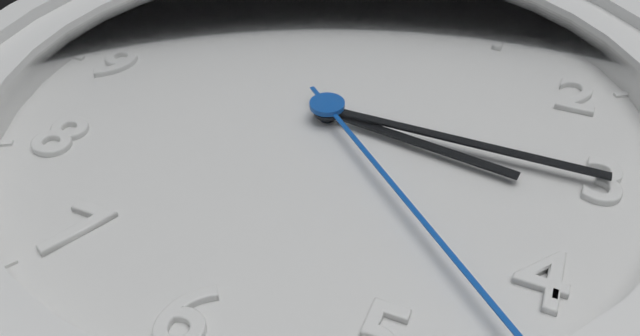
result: 3.15
